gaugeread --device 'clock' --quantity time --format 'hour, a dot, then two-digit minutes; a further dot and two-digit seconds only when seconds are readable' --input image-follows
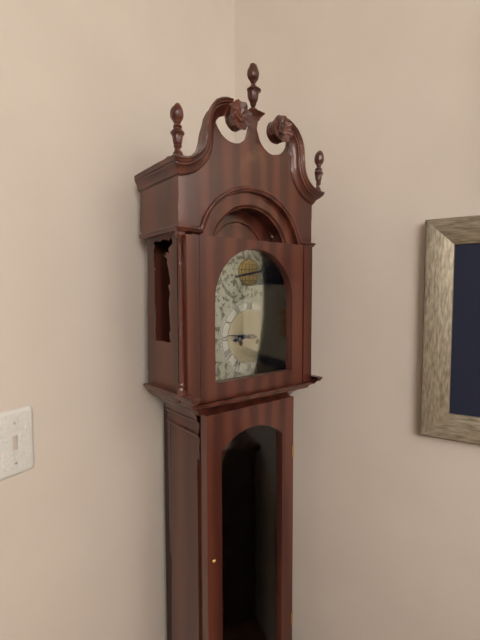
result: 8.46
